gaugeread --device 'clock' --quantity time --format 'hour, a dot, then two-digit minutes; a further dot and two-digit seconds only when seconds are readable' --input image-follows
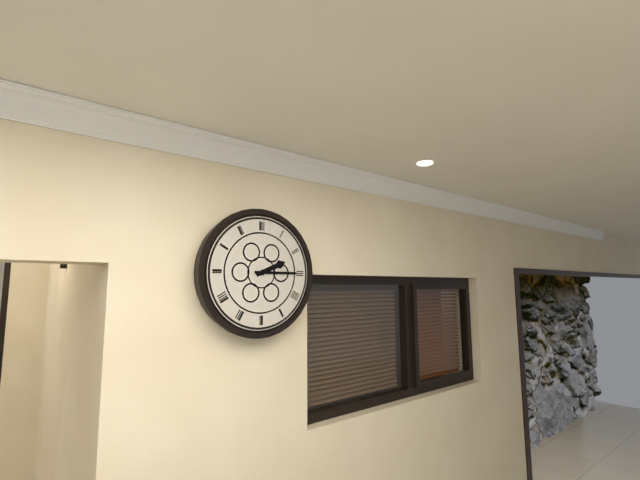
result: 2.15
